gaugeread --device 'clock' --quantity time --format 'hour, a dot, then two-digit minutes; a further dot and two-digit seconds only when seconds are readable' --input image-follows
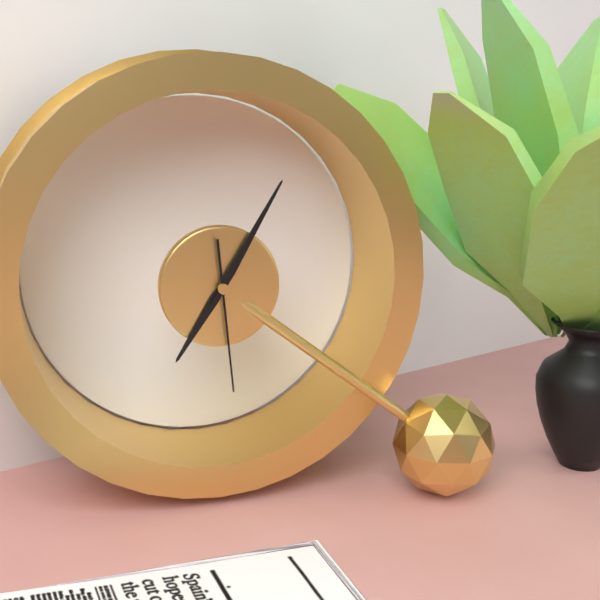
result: 7.05.29
